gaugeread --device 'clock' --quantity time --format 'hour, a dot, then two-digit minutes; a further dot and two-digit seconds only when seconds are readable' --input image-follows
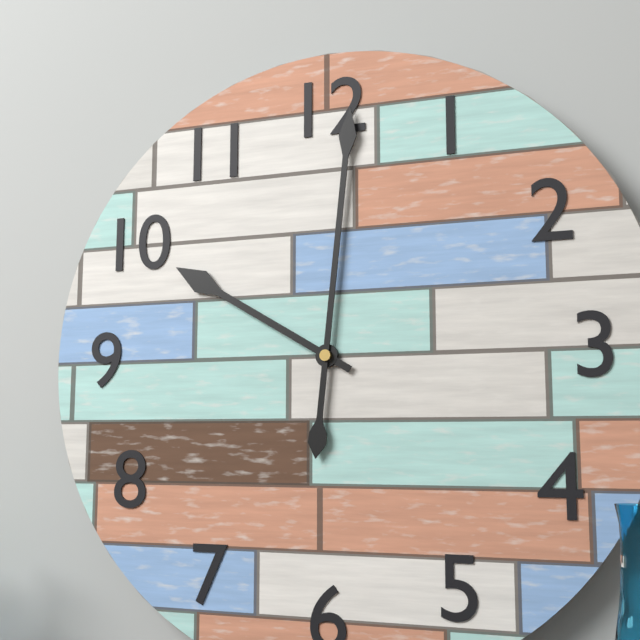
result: 10.01
